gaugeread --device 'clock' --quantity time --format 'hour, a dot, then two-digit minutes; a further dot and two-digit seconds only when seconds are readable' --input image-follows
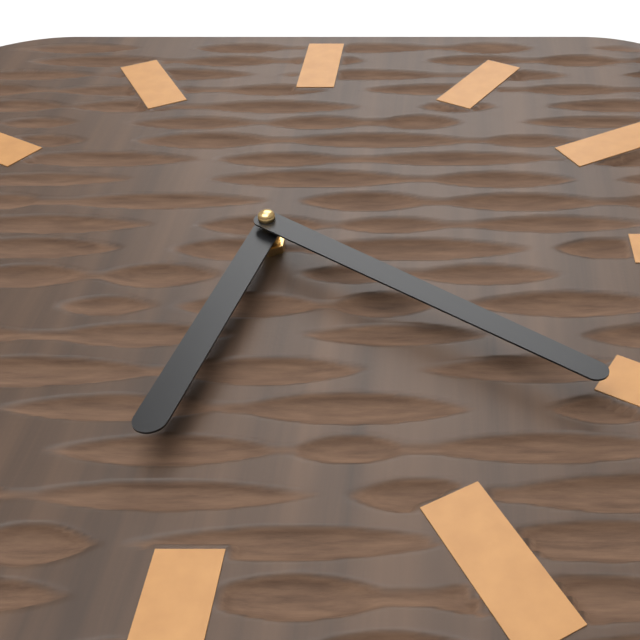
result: 6.21
